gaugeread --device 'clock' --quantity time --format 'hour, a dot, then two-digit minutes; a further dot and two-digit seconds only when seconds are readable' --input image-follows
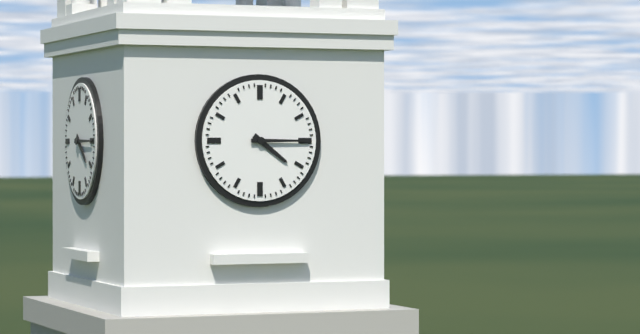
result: 4.15
